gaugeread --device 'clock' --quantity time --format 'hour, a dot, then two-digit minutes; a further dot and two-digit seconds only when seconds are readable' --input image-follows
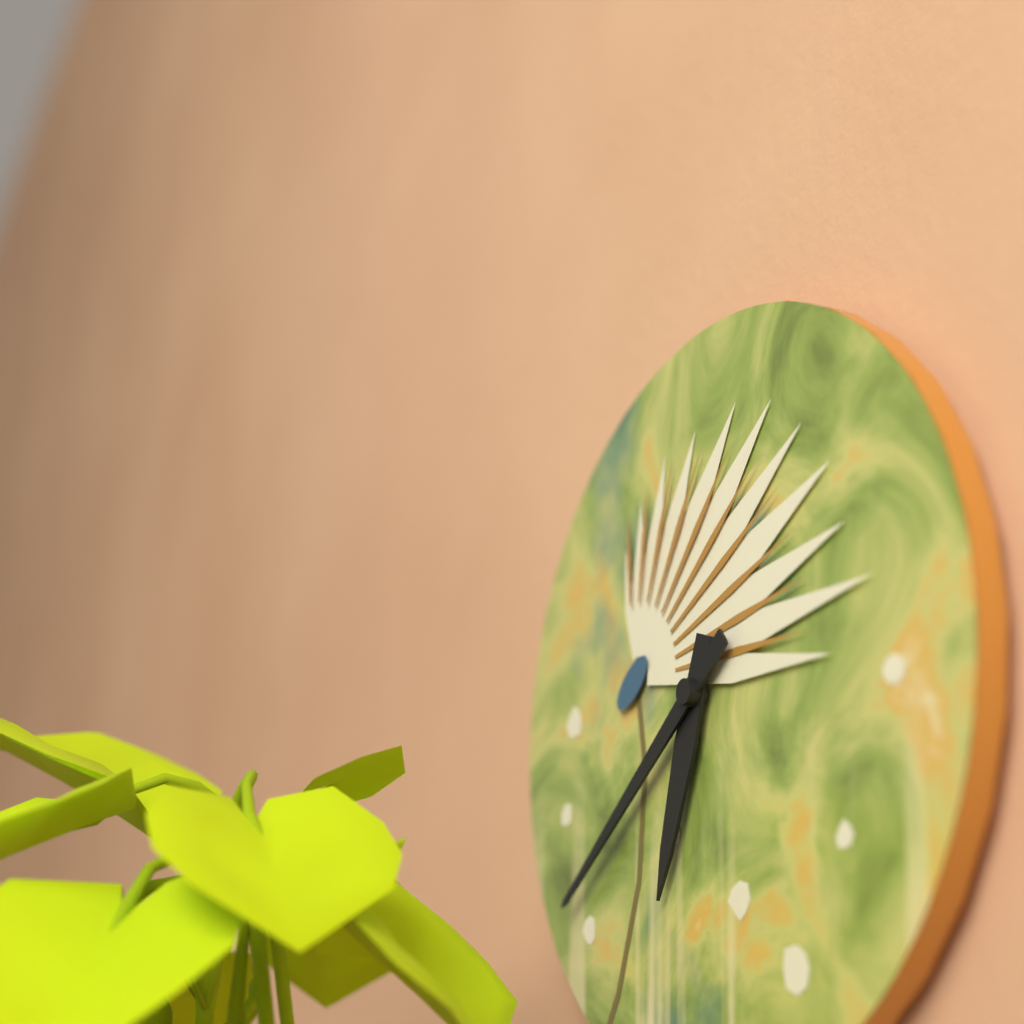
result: 6.39
